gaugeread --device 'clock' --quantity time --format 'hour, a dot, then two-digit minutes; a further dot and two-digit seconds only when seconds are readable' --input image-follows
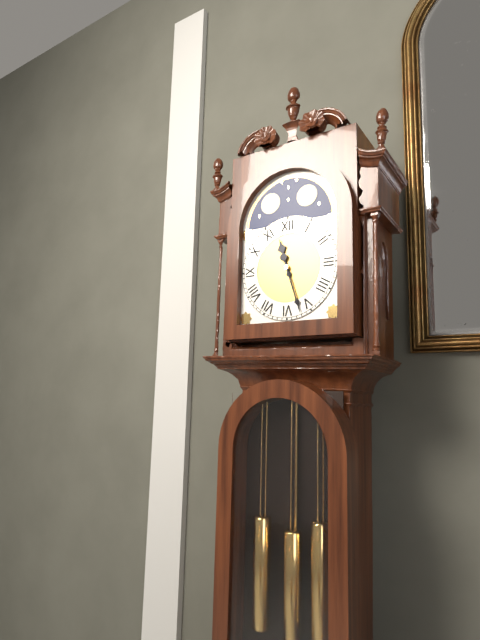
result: 11.27
